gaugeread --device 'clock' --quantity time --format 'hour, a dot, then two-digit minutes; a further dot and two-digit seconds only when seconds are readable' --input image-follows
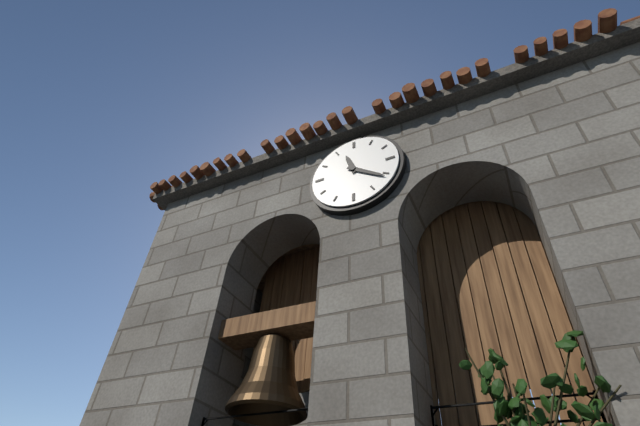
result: 11.21
